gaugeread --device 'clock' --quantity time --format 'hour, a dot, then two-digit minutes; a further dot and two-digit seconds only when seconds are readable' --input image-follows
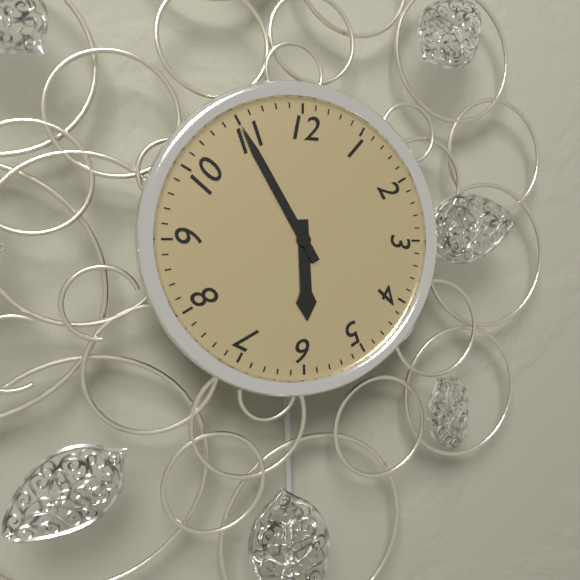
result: 5.55
